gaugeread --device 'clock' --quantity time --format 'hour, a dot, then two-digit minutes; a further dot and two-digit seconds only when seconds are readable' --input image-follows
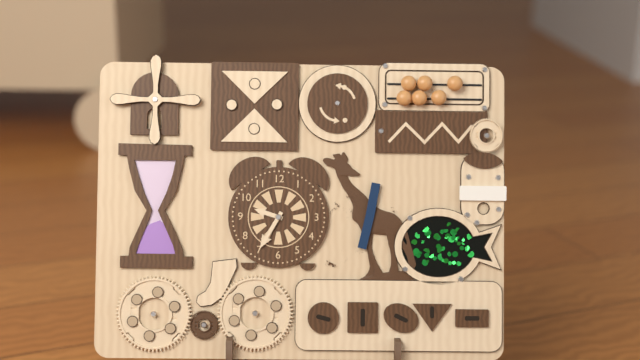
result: 9.35
